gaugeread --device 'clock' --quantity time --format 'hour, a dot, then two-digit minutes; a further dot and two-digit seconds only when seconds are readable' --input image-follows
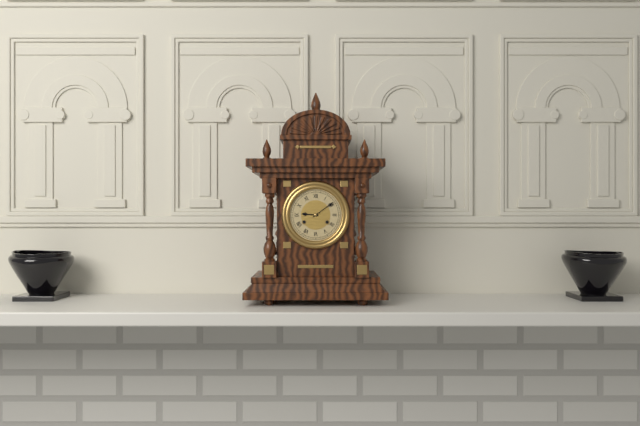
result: 9.09
